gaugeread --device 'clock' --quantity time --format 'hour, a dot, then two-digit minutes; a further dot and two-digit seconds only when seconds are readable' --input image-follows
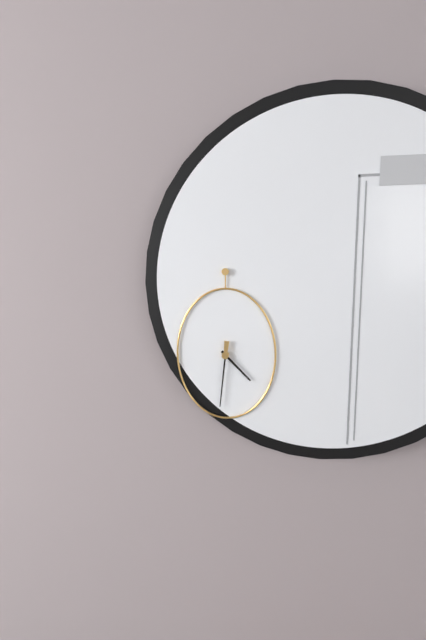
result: 4.31
